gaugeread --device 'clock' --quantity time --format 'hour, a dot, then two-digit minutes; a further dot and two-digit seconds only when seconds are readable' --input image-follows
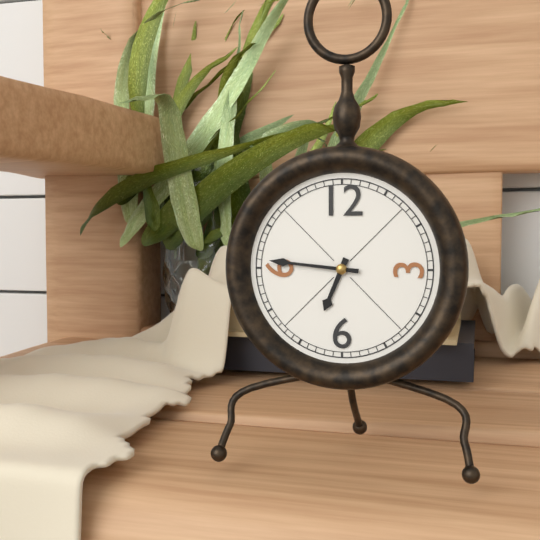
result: 6.46
